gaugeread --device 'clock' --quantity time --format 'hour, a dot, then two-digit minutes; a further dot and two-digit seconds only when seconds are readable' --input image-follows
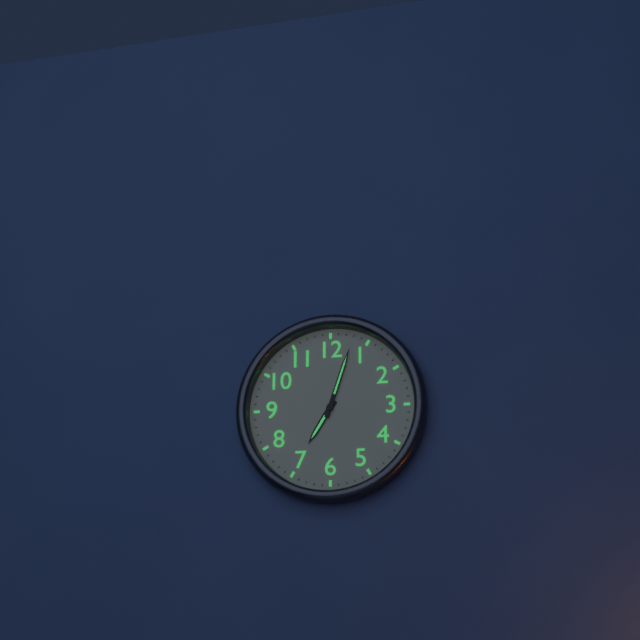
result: 7.03
